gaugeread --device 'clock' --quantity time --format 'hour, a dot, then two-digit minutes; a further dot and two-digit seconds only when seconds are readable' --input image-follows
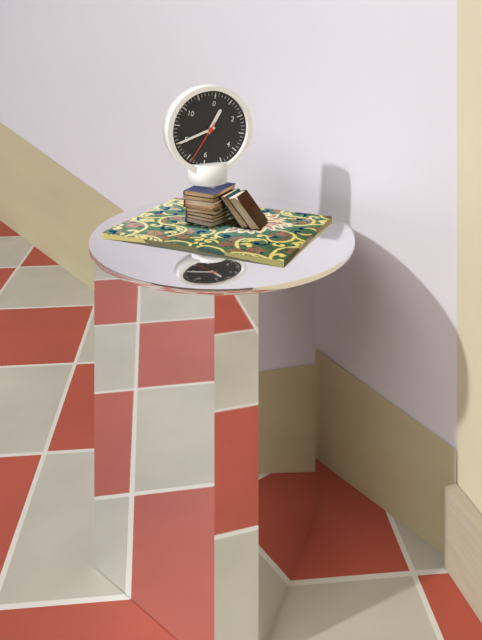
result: 12.40
